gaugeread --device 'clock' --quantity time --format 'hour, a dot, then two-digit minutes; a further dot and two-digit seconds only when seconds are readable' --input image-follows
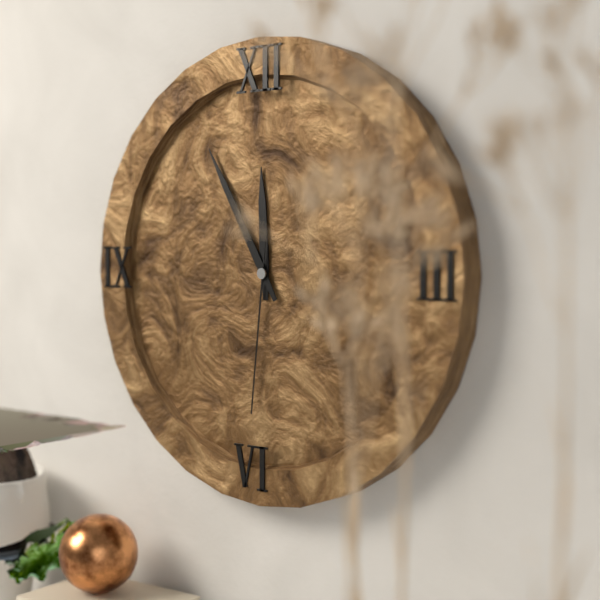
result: 11.55.31
